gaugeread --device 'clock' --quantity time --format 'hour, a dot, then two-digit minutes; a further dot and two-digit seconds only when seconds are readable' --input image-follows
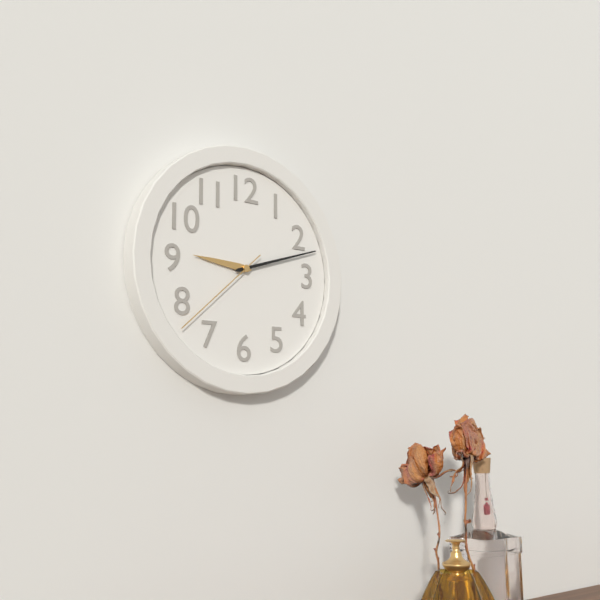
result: 9.12.38
